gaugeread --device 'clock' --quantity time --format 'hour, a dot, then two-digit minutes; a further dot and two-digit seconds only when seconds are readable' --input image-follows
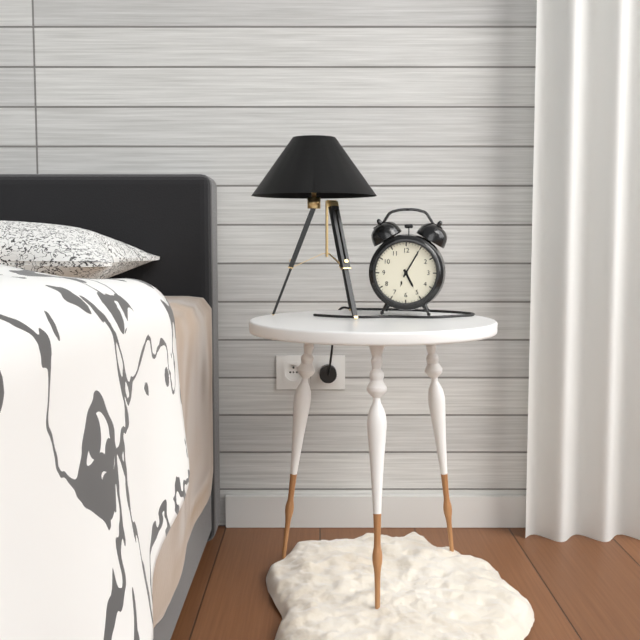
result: 5.05
